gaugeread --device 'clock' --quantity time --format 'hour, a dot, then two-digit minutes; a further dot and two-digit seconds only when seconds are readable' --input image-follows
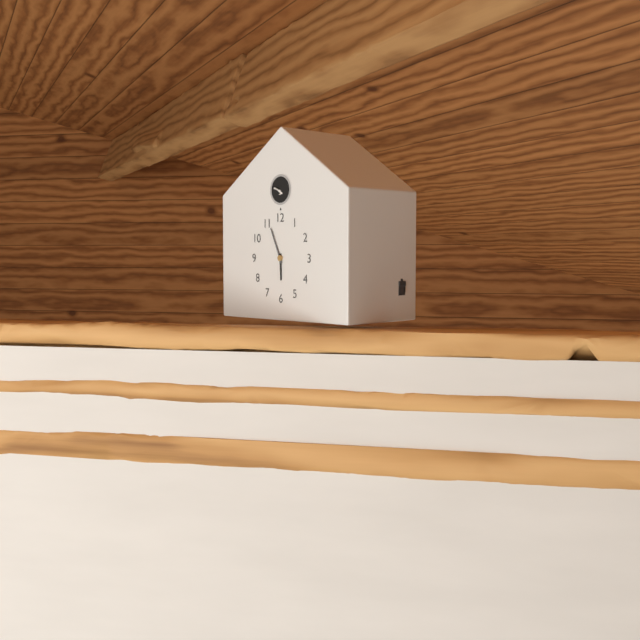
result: 5.56
